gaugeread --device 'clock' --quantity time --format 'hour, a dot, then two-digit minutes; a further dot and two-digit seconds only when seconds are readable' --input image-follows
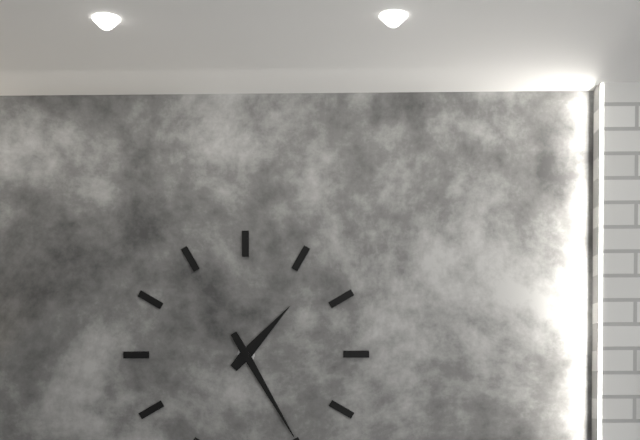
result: 1.25
